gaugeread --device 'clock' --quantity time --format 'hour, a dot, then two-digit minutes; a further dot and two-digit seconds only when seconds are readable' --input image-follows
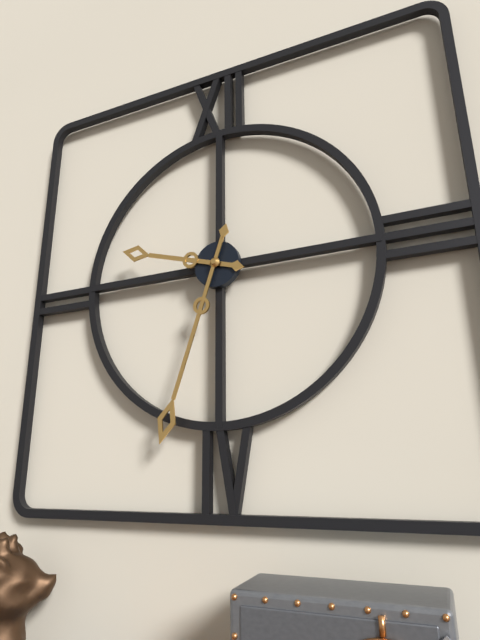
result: 9.33
